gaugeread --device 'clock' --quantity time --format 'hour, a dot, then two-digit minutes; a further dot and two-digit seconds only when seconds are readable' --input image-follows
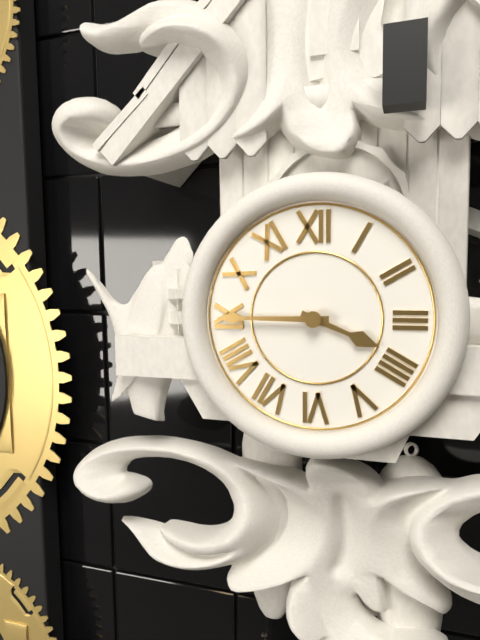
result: 3.45
